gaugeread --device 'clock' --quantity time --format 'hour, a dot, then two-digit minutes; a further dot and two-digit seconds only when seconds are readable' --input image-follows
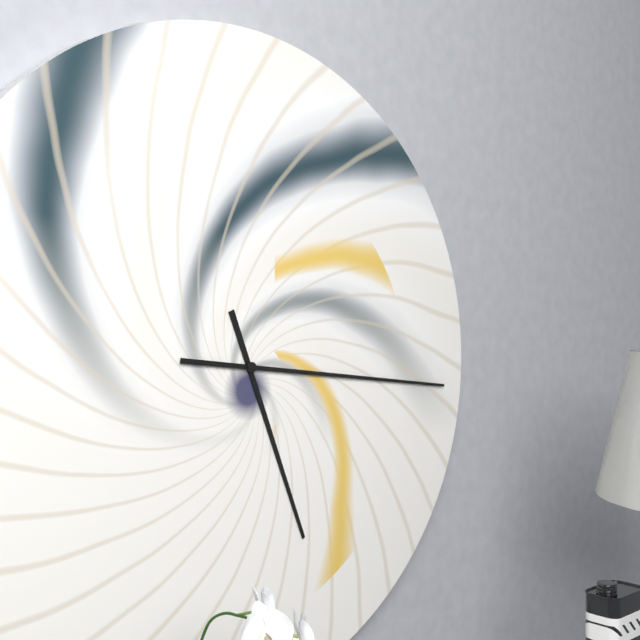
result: 5.16
